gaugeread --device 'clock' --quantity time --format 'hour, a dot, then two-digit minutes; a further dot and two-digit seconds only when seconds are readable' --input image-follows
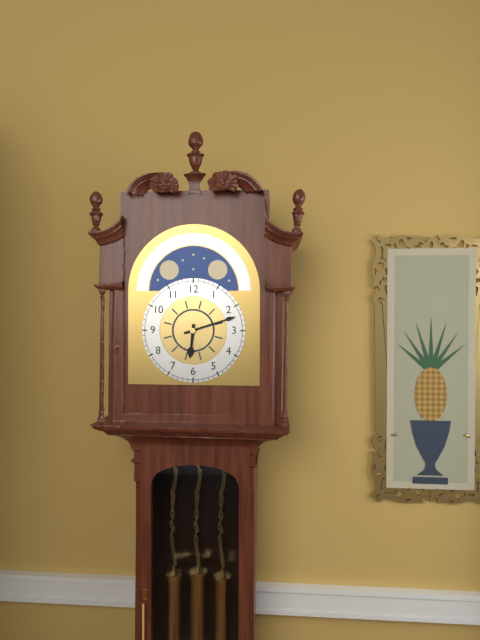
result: 6.12
